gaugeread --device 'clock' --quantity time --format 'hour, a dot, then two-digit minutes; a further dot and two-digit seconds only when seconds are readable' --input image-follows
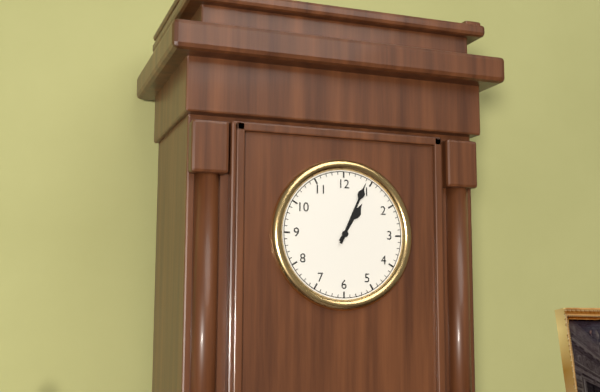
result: 1.04
